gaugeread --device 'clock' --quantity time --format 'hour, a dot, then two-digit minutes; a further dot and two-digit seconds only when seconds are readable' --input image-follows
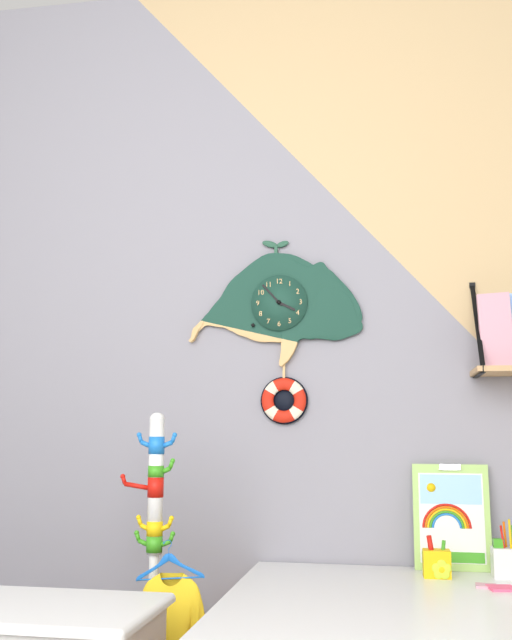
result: 3.53
